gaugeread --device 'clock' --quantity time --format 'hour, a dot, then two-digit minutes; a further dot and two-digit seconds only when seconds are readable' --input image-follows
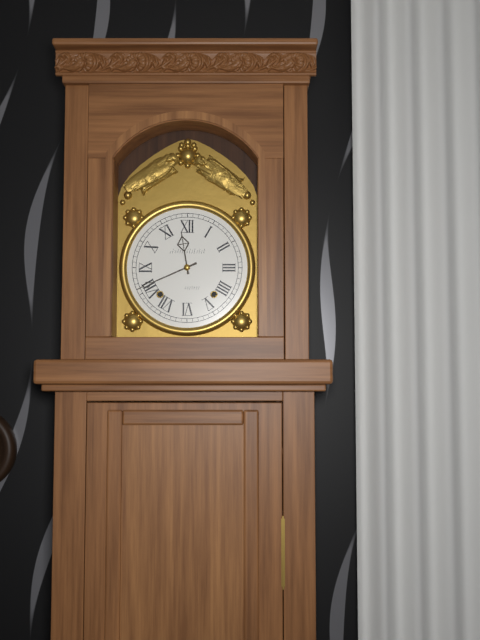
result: 11.41
